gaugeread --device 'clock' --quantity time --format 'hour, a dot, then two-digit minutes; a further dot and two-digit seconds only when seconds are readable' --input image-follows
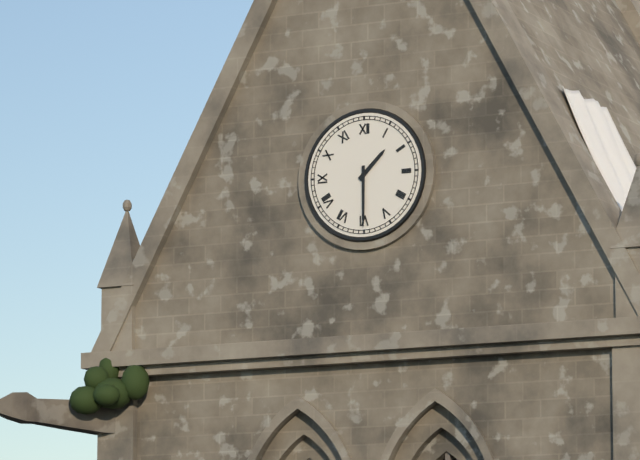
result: 1.30
